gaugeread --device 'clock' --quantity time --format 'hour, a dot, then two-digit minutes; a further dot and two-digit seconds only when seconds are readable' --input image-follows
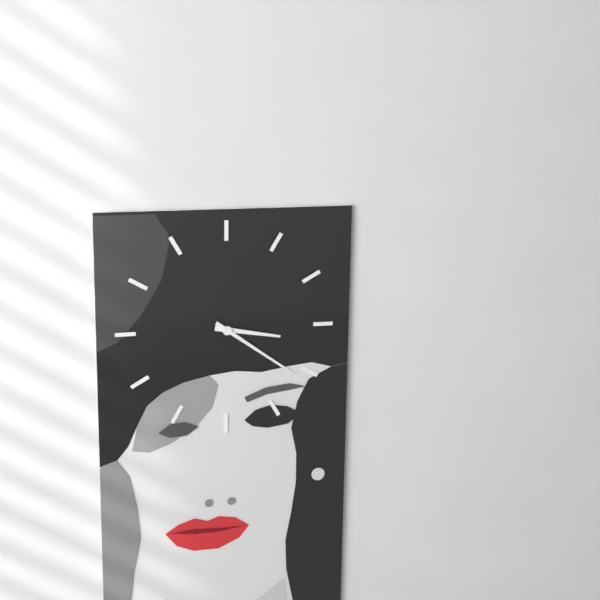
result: 3.21
